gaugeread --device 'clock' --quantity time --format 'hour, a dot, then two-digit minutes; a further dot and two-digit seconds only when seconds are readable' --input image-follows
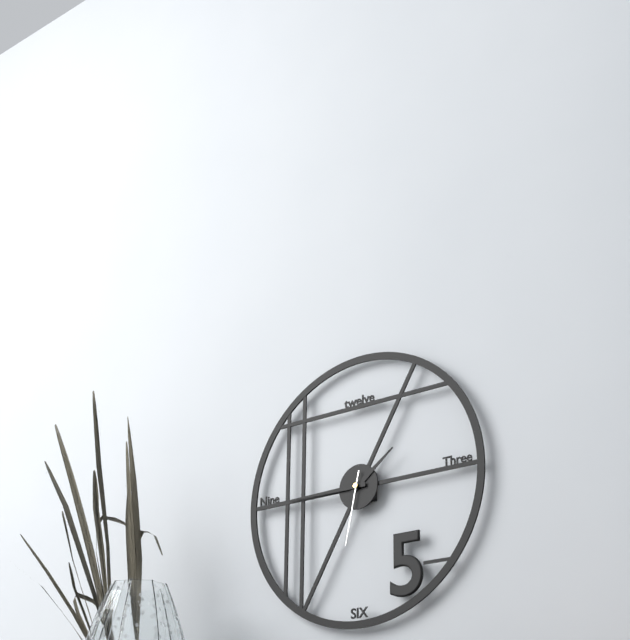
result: 1.45.32
